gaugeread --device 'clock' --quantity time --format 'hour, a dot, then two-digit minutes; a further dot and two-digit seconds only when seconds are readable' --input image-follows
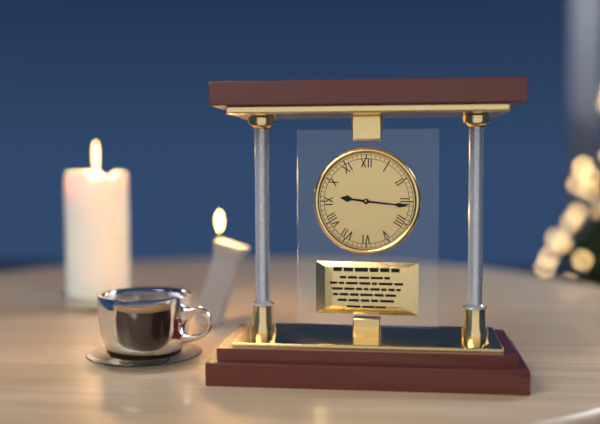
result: 9.16
